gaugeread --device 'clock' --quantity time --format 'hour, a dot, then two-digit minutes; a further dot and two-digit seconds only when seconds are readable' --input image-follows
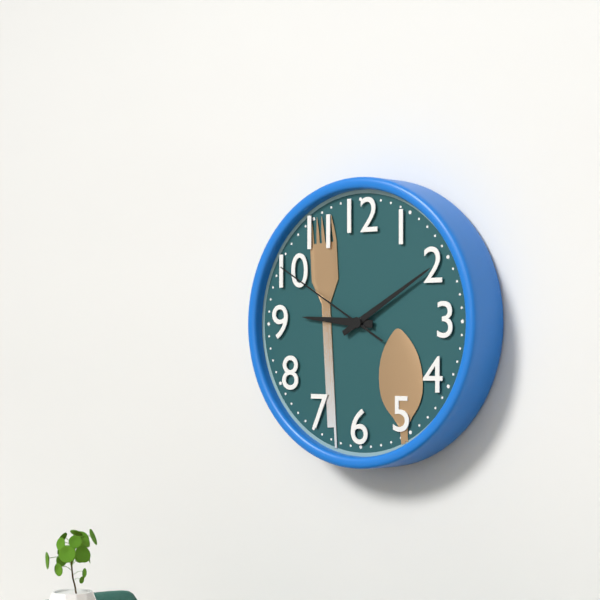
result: 9.10.50
